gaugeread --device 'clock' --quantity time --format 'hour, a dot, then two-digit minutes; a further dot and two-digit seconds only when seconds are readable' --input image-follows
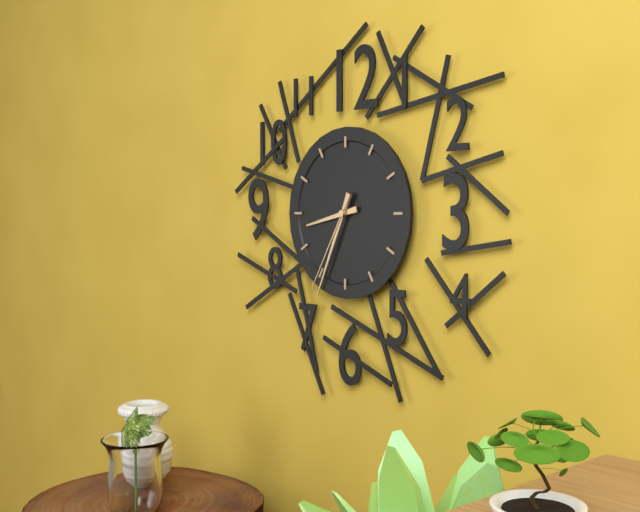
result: 8.34.35
